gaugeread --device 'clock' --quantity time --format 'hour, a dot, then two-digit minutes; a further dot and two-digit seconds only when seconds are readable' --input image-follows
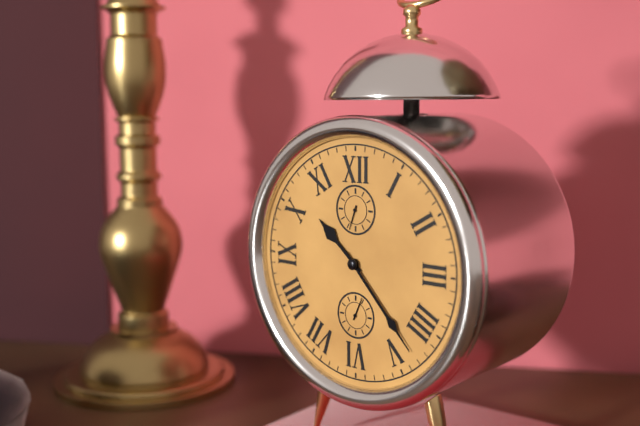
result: 10.23
